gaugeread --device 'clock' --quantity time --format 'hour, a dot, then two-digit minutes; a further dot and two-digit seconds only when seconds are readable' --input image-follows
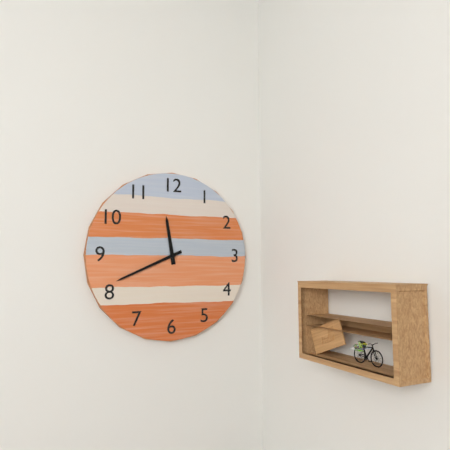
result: 11.41
